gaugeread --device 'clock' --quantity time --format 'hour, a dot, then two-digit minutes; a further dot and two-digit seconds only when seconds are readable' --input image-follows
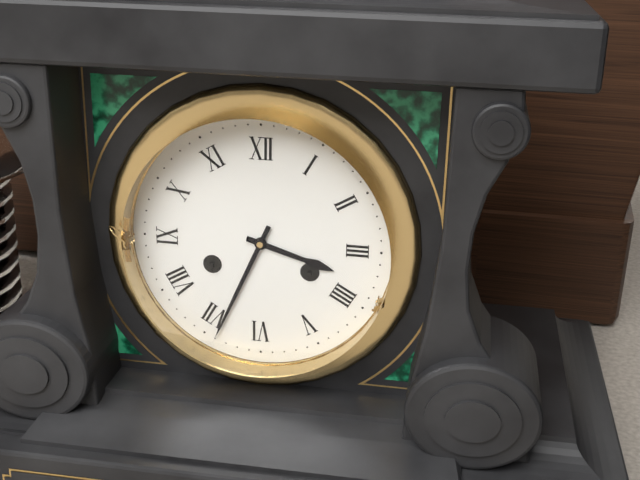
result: 3.34
